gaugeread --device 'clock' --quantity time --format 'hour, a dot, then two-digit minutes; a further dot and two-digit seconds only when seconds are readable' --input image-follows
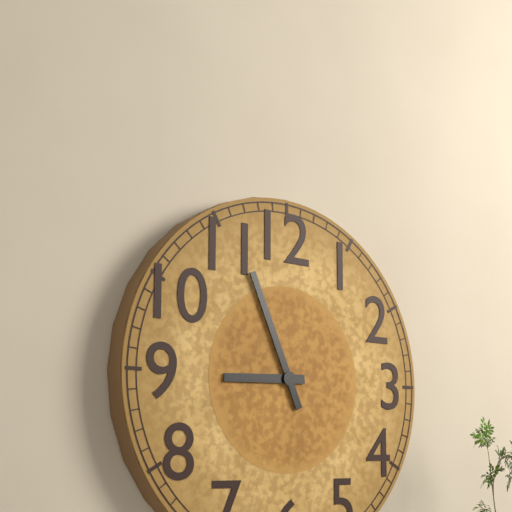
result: 8.56
